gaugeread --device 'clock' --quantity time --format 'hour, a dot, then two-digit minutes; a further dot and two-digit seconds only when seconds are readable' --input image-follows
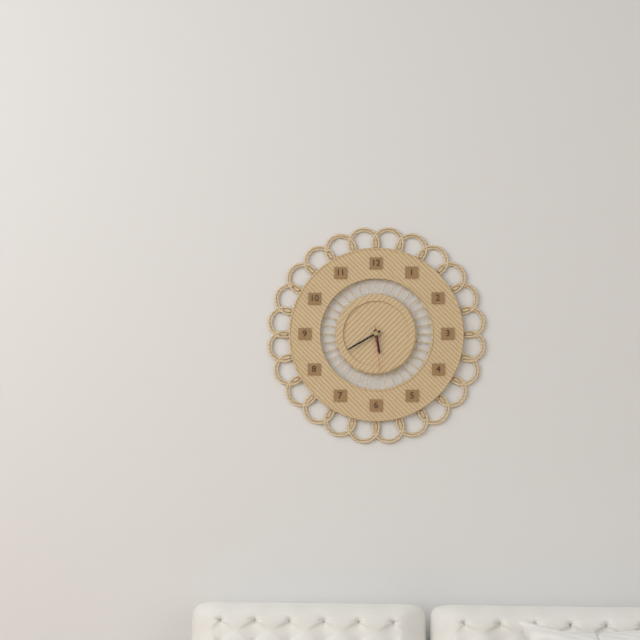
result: 5.40
